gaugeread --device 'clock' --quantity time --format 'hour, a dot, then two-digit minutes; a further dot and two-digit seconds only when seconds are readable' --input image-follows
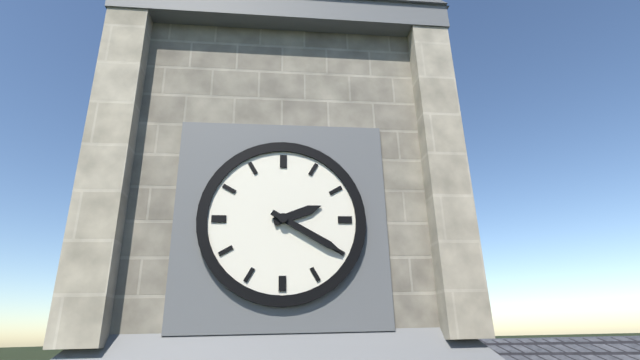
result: 2.20
